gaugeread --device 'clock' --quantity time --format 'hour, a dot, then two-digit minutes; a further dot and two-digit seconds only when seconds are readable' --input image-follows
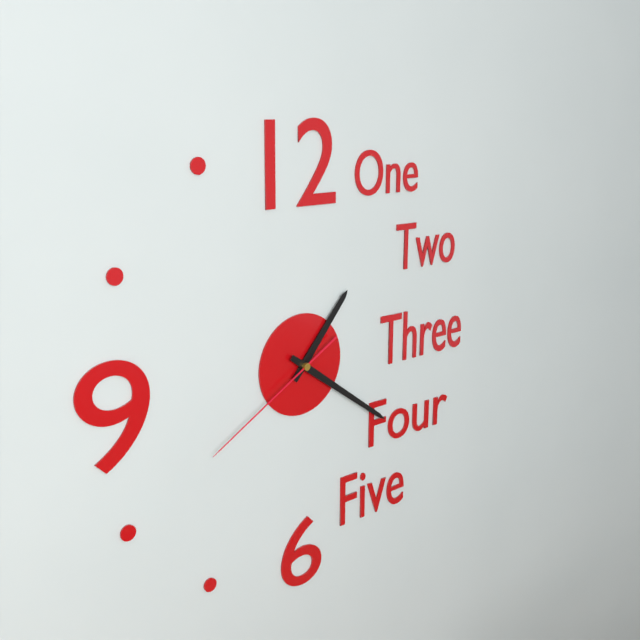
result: 1.21.40
